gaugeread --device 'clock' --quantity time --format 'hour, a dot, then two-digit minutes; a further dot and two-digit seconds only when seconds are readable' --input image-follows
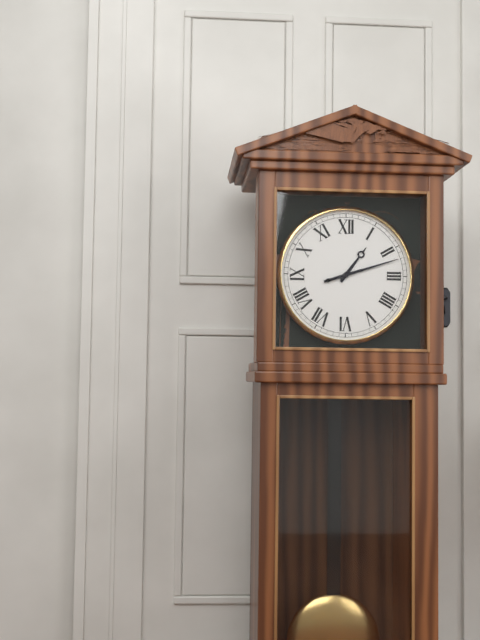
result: 1.12
